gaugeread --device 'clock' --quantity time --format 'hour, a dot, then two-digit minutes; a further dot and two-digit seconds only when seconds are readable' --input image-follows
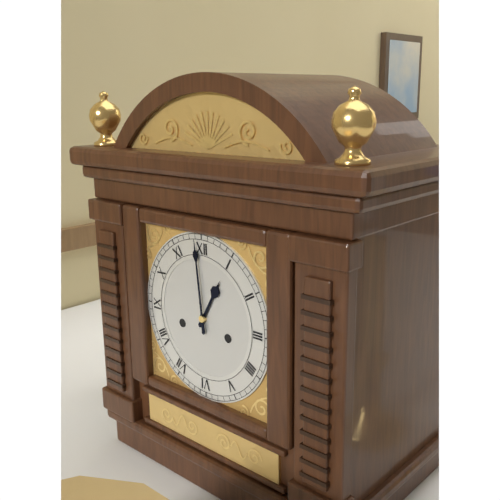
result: 12.59
